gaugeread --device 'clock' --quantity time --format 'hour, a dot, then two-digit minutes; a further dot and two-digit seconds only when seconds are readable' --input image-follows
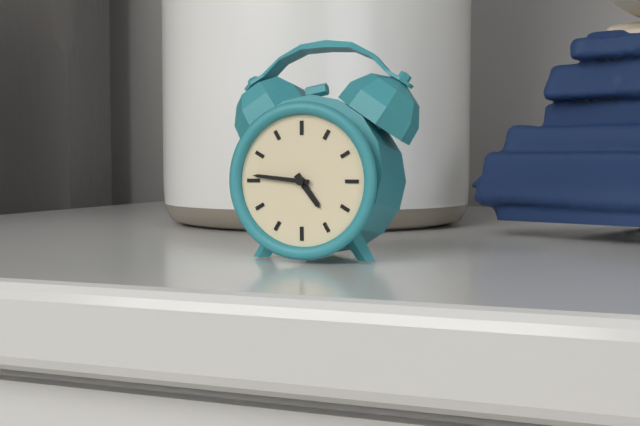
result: 4.46
